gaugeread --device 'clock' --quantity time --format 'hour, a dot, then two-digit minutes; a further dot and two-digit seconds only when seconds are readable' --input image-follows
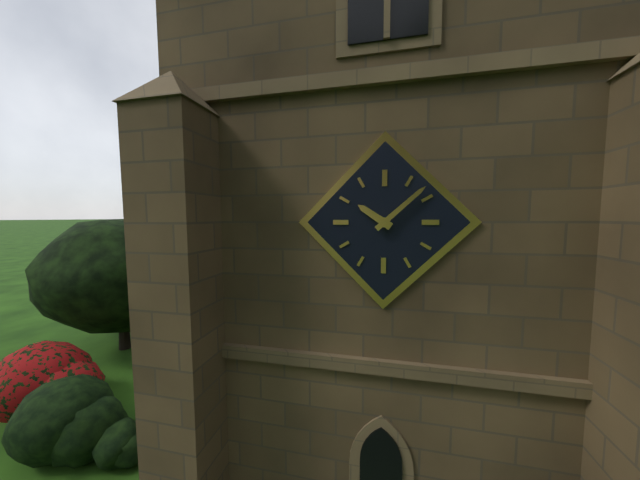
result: 10.08
